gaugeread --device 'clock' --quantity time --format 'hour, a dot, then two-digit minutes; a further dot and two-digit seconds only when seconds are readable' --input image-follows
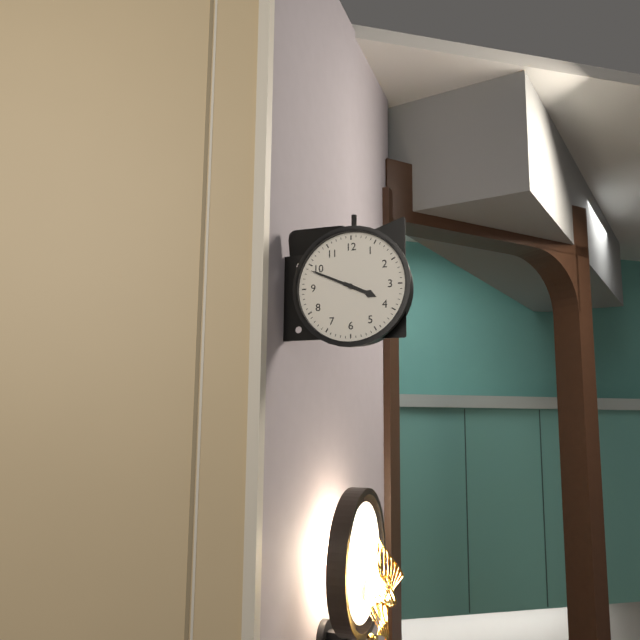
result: 3.49
